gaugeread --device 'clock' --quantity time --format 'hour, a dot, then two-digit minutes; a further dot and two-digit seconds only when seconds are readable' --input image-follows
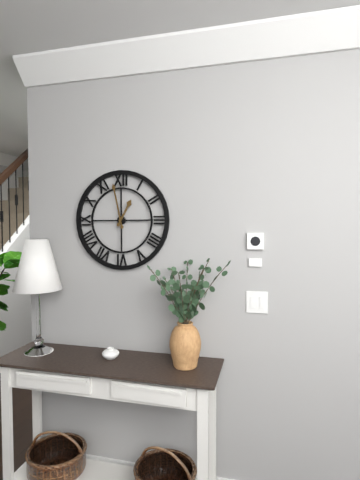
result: 12.58
